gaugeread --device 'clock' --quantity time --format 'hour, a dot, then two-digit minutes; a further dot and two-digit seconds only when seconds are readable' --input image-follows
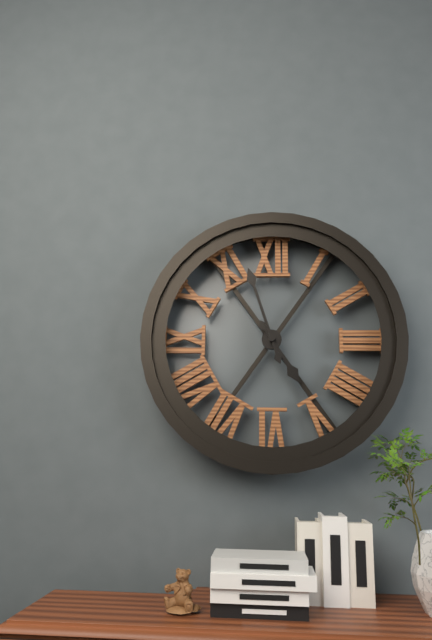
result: 4.57
